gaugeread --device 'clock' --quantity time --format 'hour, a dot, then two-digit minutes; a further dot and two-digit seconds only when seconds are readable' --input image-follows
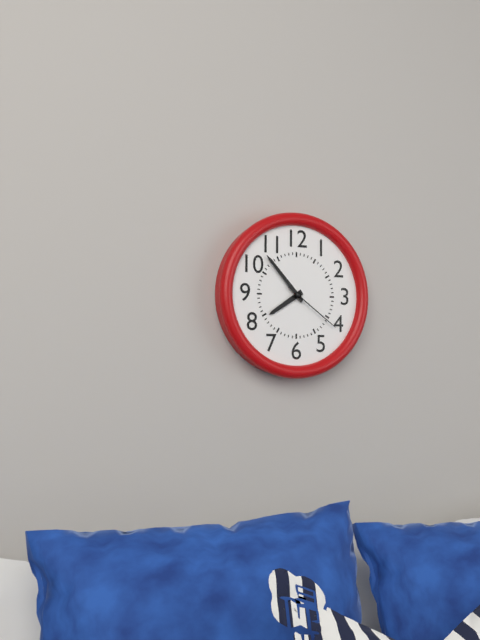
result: 7.53.21
